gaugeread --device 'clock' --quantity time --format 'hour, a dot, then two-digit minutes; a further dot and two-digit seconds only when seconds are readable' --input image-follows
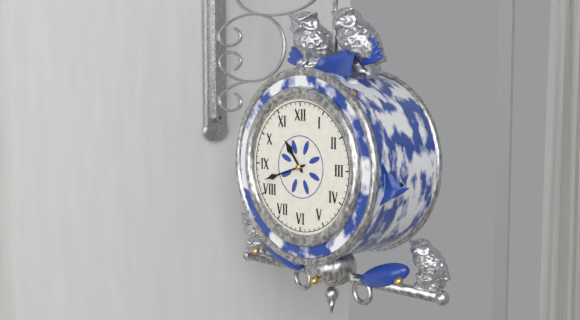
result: 10.42
